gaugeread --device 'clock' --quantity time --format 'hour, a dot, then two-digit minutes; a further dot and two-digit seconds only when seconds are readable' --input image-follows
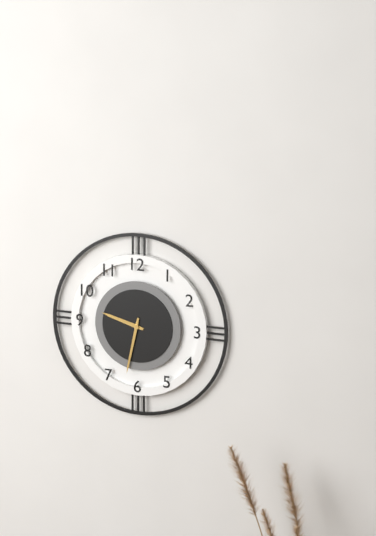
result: 9.32
